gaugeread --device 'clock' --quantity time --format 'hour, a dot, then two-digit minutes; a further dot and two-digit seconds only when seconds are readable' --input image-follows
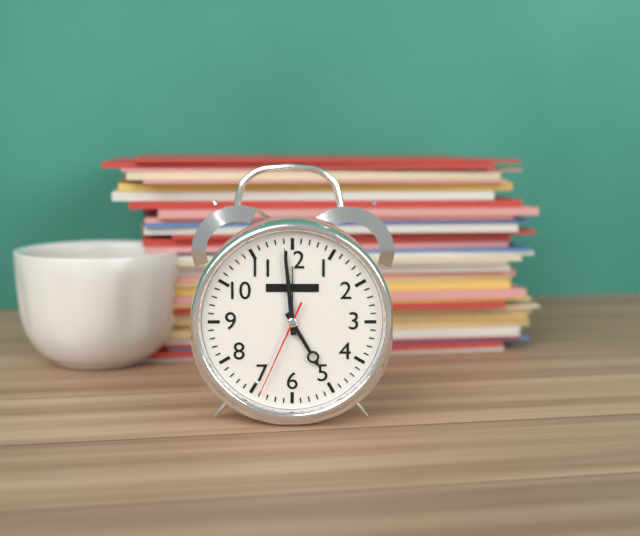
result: 4.59.34
